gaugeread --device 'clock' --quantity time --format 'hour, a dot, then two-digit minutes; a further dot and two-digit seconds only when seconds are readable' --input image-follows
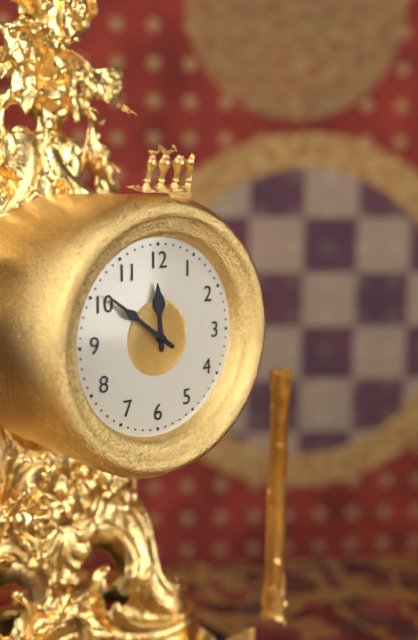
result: 11.51
